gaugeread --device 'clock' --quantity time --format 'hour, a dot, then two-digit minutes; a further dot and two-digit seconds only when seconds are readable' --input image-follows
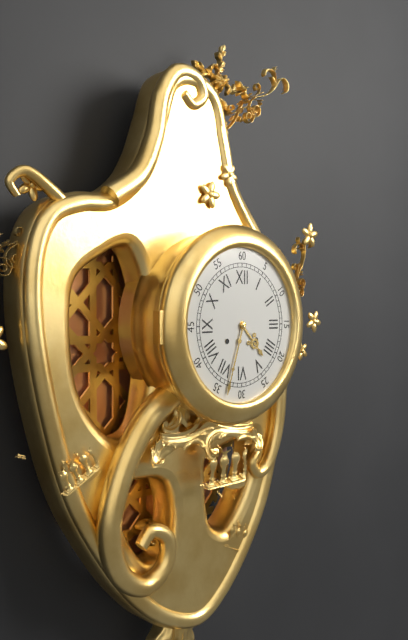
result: 4.33
